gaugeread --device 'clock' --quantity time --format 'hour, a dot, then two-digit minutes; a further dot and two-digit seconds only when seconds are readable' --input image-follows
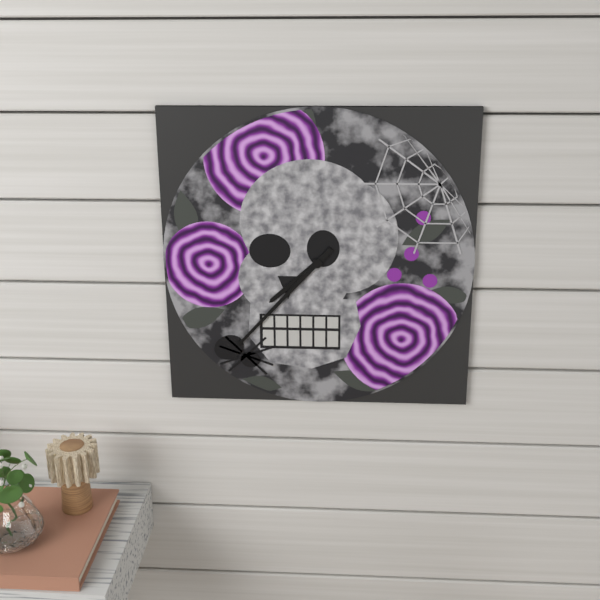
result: 7.37
